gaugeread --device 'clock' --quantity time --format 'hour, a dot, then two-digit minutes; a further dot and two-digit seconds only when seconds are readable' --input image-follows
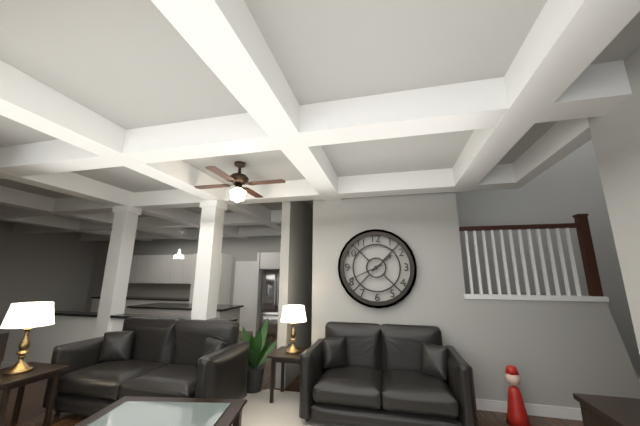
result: 1.41
